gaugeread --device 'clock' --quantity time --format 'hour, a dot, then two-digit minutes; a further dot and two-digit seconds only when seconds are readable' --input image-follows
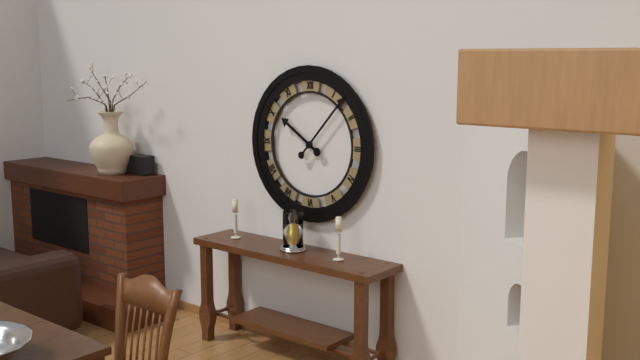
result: 10.07
